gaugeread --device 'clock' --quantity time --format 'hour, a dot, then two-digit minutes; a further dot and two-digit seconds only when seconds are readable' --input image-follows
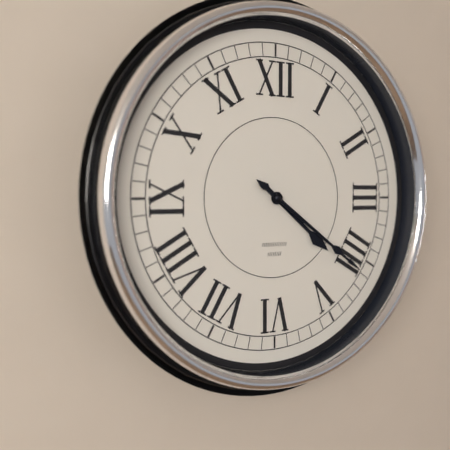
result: 4.21
